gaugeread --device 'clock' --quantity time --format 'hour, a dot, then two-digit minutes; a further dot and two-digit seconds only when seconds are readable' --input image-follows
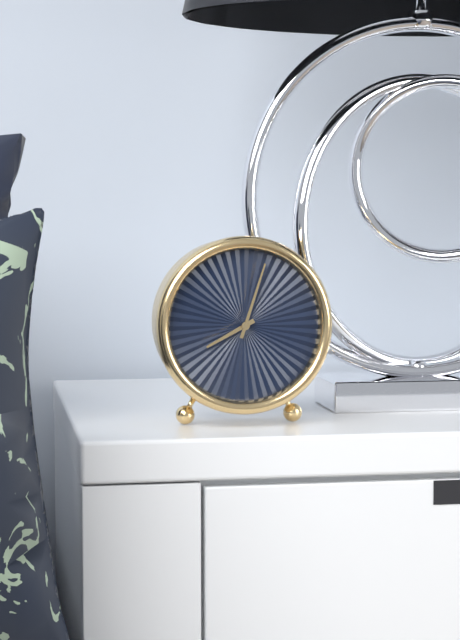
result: 8.03
